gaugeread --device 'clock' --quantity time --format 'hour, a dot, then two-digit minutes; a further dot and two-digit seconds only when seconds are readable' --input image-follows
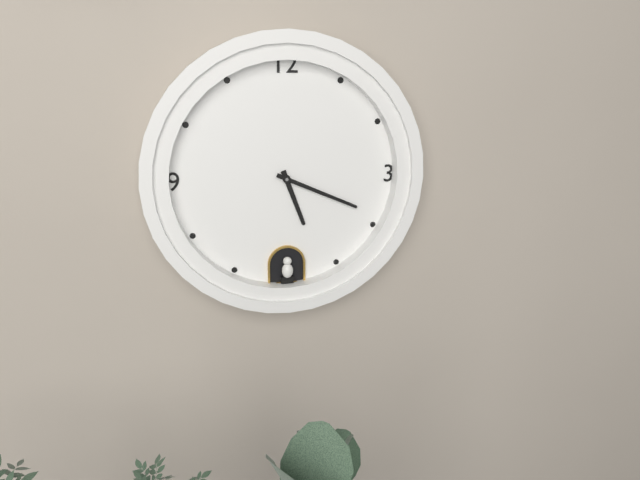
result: 5.19
